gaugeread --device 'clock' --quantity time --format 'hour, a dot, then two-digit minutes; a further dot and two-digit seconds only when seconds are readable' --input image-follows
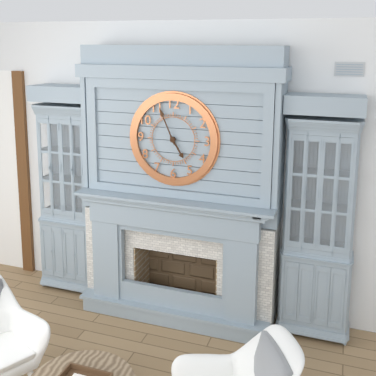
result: 4.56
